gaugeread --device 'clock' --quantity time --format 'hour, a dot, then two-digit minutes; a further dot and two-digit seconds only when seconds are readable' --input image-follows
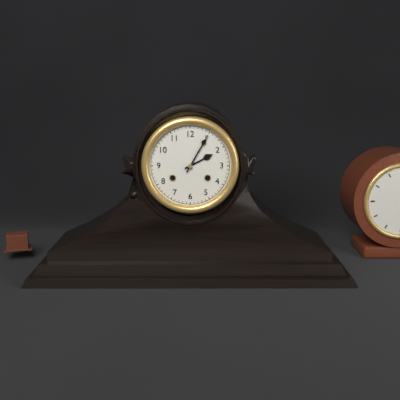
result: 2.05
